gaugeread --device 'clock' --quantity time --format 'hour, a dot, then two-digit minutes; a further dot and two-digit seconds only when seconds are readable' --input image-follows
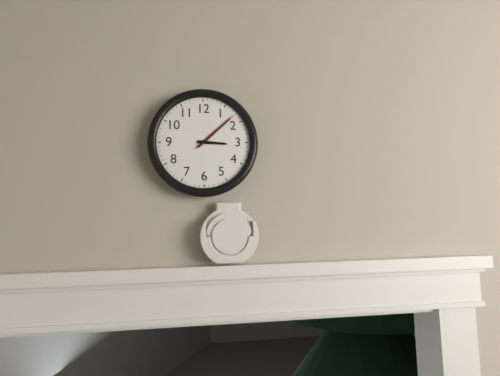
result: 3.08
